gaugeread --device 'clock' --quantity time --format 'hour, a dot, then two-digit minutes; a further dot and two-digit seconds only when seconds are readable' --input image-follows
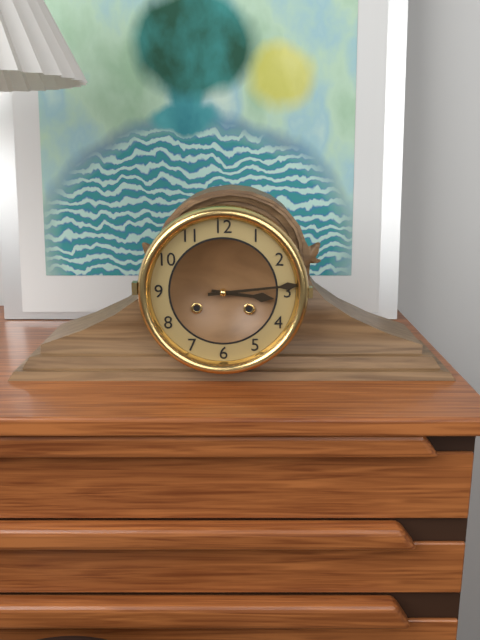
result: 3.14
